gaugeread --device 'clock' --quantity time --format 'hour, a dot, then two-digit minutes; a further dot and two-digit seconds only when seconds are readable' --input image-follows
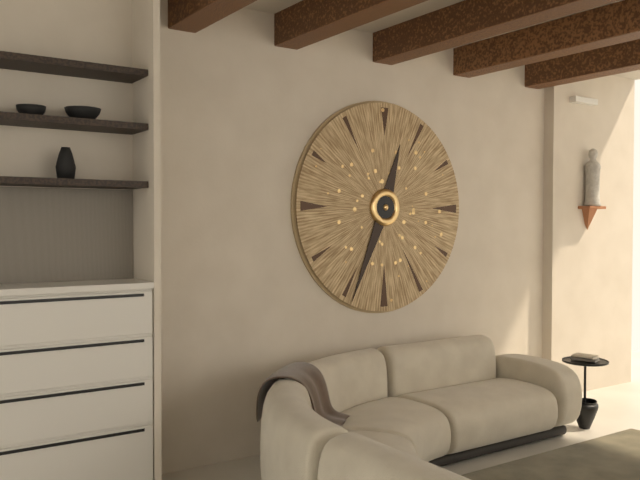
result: 12.34
